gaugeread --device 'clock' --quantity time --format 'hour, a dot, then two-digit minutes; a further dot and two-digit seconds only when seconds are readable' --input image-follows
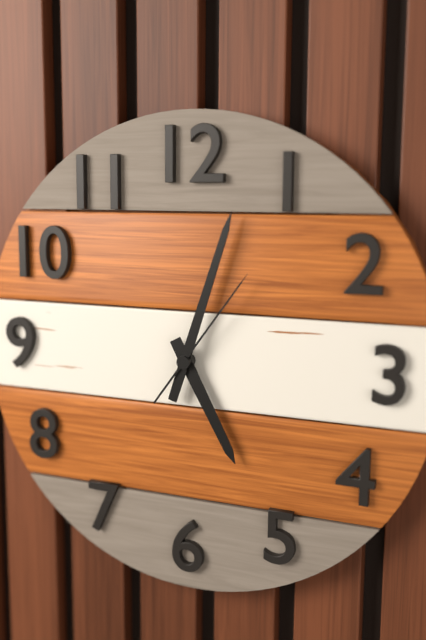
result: 5.03.06
